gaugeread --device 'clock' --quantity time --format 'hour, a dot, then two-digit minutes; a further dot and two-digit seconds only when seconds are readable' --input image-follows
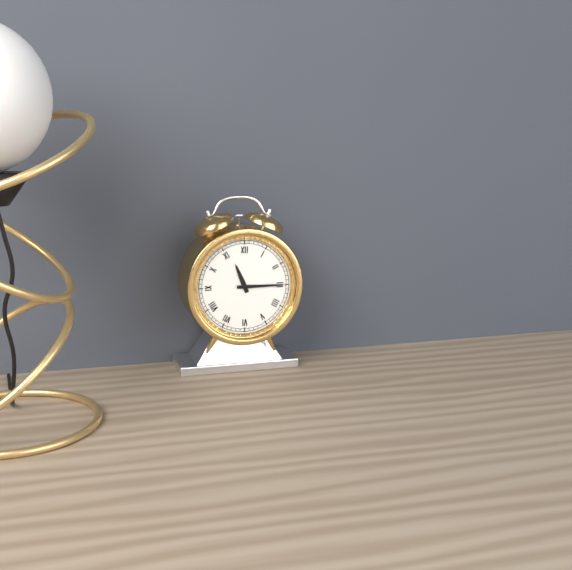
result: 11.15
